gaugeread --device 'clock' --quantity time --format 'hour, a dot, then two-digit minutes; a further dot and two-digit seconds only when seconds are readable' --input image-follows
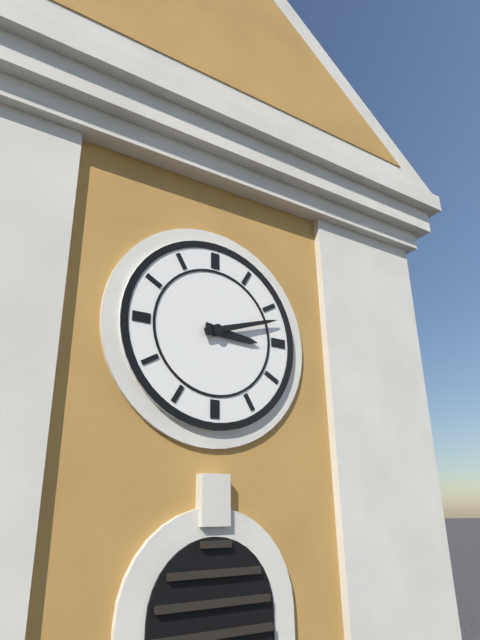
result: 3.12
